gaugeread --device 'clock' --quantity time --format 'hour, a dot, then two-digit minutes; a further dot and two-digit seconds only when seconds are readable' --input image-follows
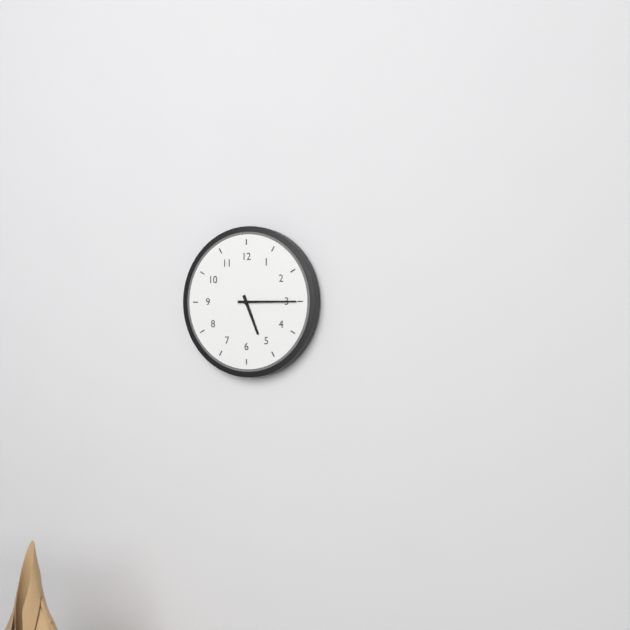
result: 5.15
